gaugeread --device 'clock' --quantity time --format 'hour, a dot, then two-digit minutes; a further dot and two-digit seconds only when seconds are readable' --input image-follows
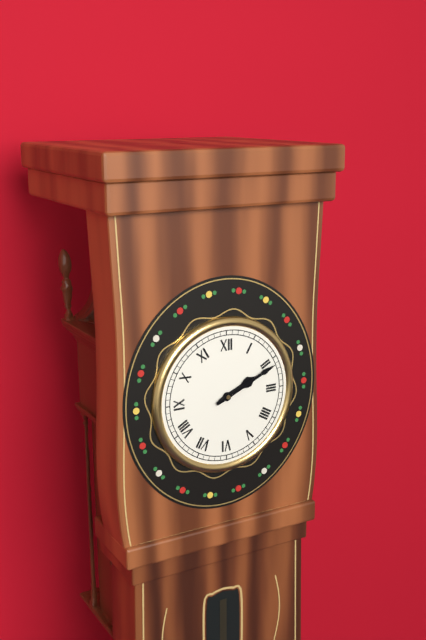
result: 2.11
